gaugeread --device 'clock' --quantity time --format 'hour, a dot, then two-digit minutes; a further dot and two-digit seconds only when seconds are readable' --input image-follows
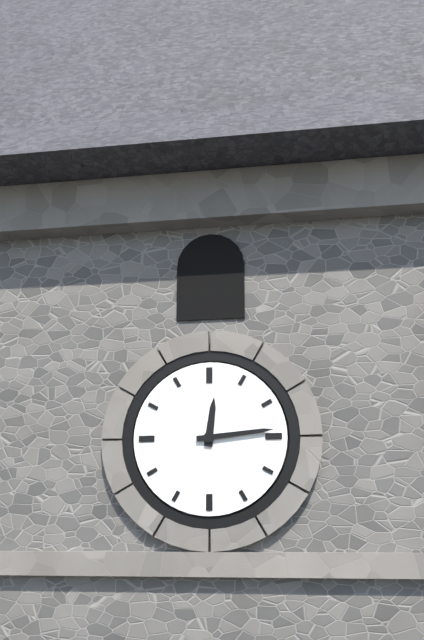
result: 12.14
